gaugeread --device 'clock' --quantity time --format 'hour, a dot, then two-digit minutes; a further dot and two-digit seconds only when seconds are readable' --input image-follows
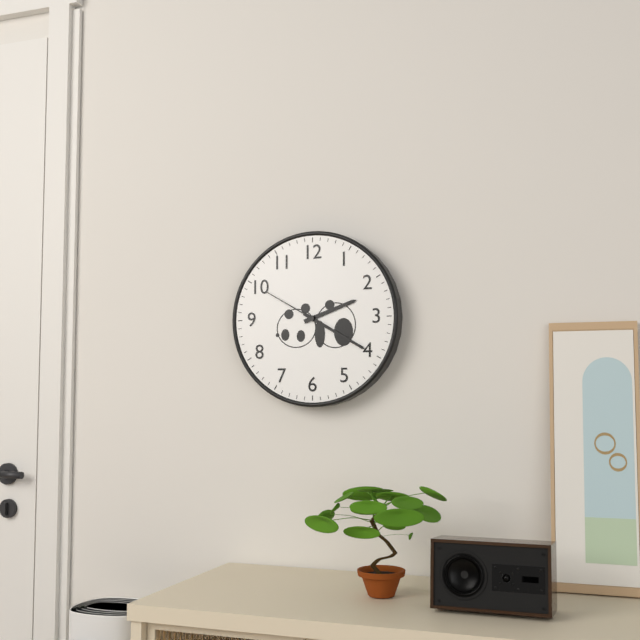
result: 2.20.50
